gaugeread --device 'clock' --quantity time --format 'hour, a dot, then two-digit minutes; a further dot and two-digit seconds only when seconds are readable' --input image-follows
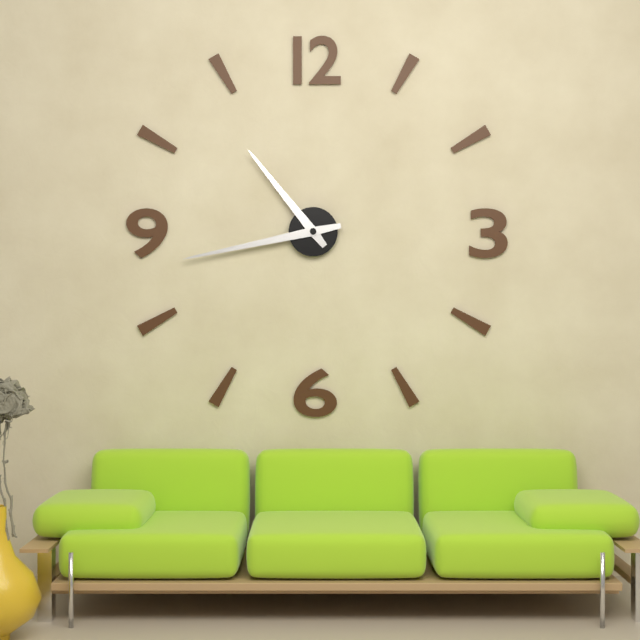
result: 10.43
